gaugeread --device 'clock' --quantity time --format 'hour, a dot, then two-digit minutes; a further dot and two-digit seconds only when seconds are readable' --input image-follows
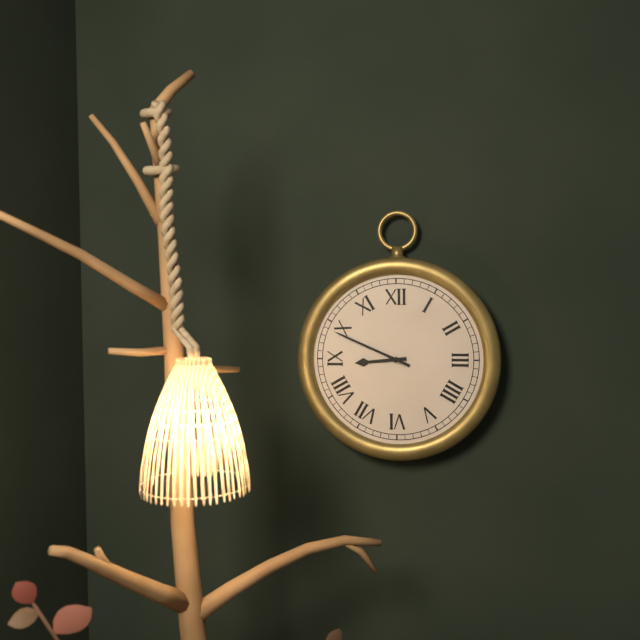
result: 8.49
